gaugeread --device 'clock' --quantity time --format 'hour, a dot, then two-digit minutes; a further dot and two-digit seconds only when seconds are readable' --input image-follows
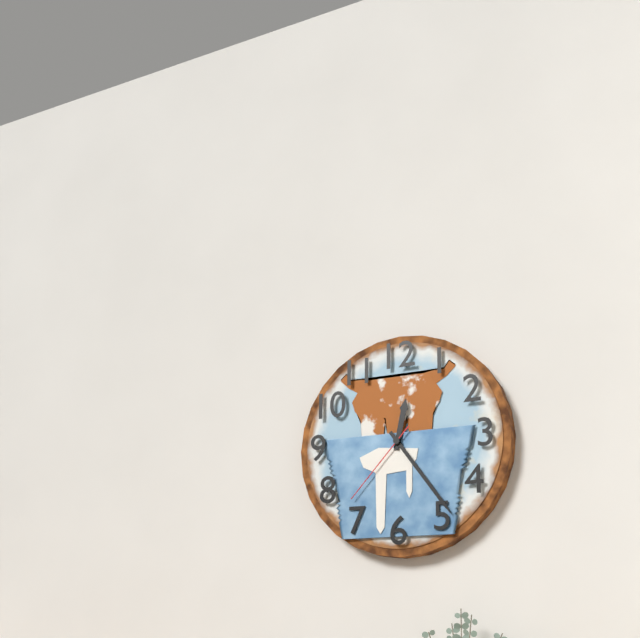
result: 12.24.37
